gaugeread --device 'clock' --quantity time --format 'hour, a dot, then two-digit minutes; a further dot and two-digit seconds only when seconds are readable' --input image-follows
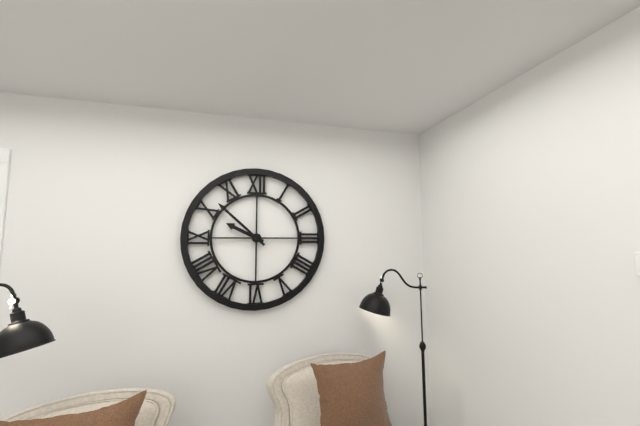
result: 9.52
